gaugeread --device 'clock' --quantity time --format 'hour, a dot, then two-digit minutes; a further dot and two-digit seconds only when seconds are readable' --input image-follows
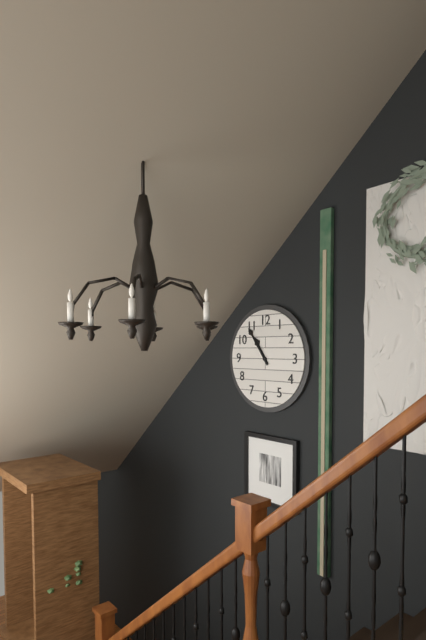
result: 10.54
